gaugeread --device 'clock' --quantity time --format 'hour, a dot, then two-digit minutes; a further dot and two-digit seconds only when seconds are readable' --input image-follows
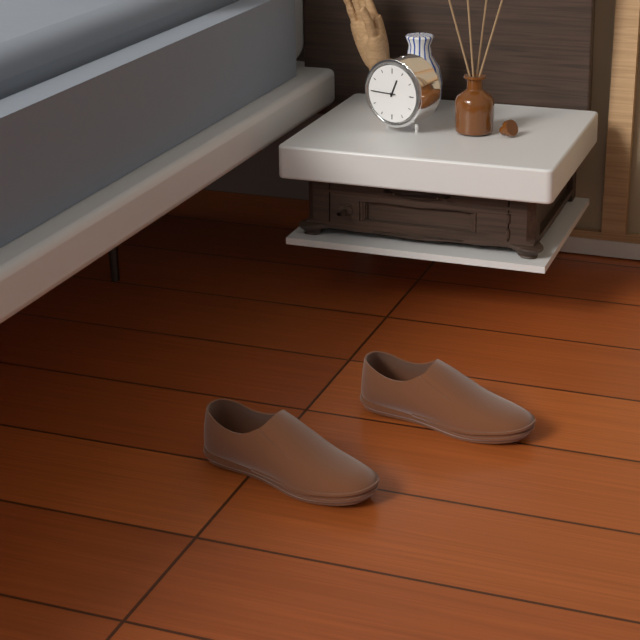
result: 12.45
